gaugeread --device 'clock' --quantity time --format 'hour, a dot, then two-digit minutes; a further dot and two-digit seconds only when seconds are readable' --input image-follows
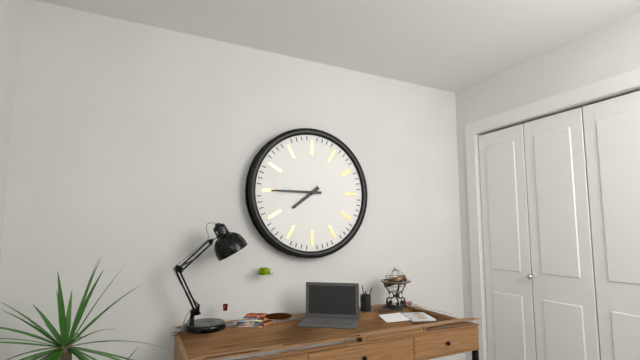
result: 7.45
